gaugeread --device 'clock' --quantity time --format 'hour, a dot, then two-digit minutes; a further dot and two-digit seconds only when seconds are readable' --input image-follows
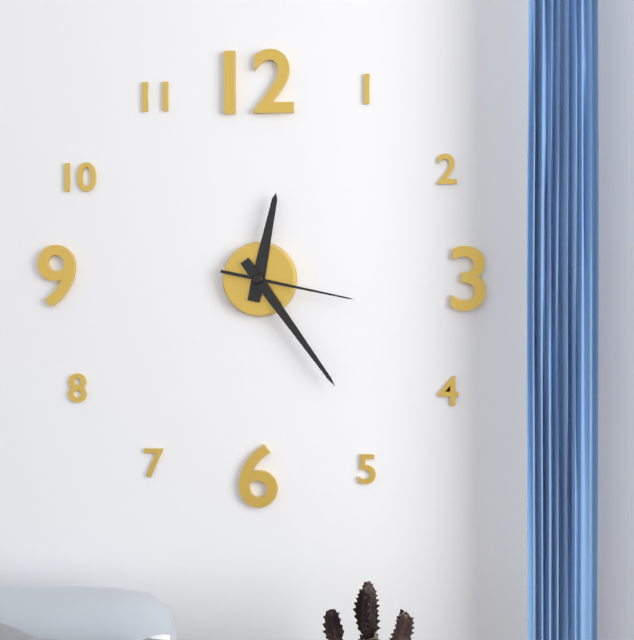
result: 12.24.17
